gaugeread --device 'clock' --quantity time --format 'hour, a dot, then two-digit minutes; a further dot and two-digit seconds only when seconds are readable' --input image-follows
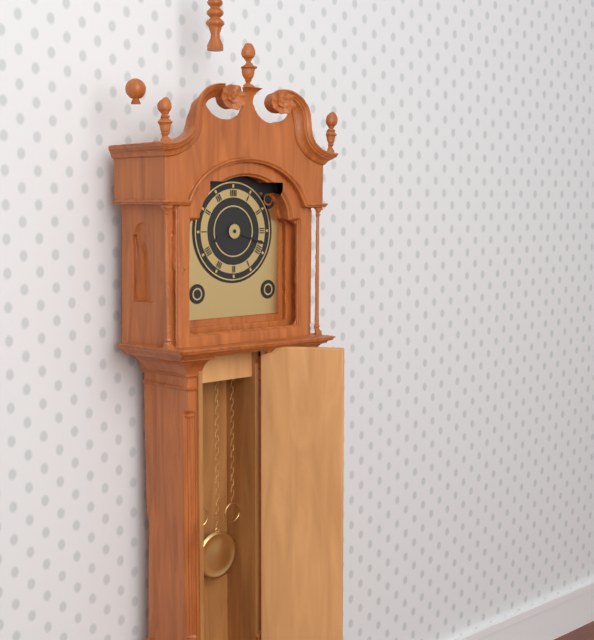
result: 8.18
